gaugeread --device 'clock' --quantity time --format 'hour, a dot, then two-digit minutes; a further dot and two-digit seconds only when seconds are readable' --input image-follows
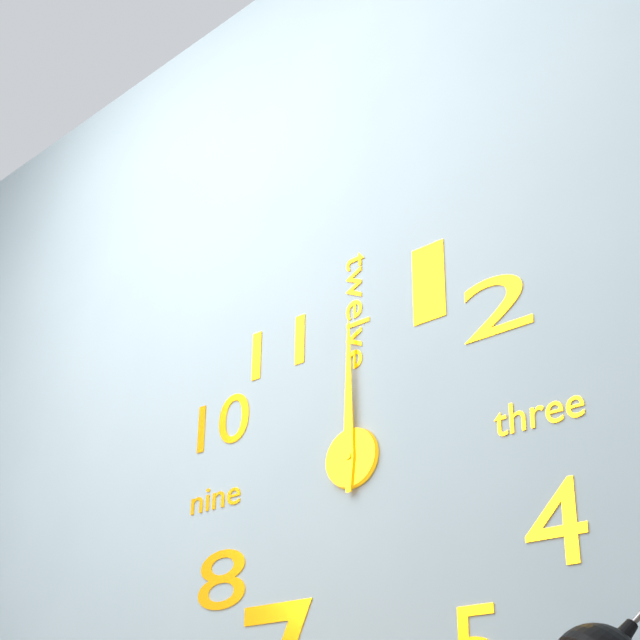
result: 12.00
